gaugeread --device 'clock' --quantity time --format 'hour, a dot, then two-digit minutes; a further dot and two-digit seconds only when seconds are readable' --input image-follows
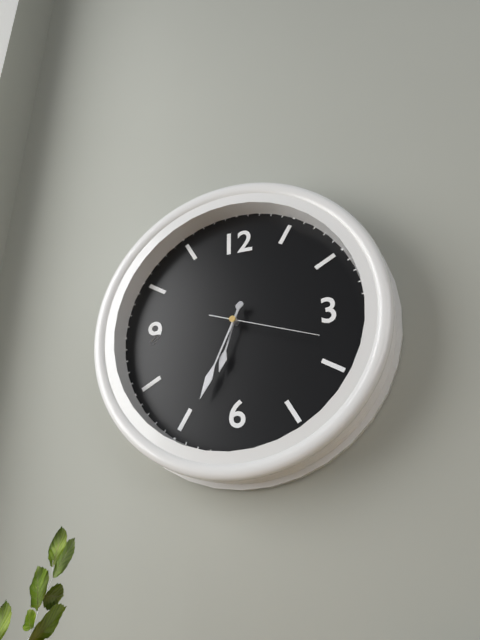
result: 6.34.18
